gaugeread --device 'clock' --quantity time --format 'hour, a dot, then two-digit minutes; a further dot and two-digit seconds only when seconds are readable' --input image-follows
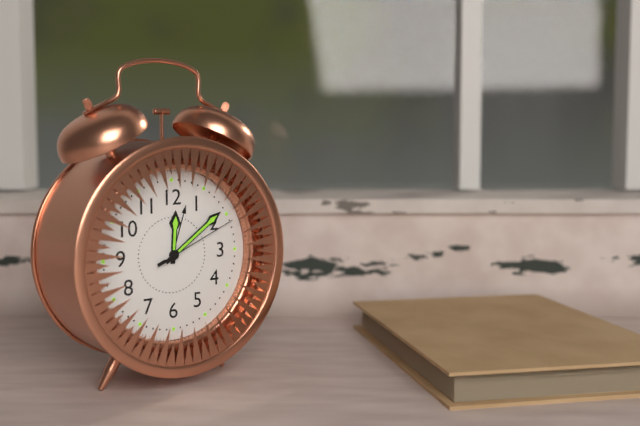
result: 12.09.11
